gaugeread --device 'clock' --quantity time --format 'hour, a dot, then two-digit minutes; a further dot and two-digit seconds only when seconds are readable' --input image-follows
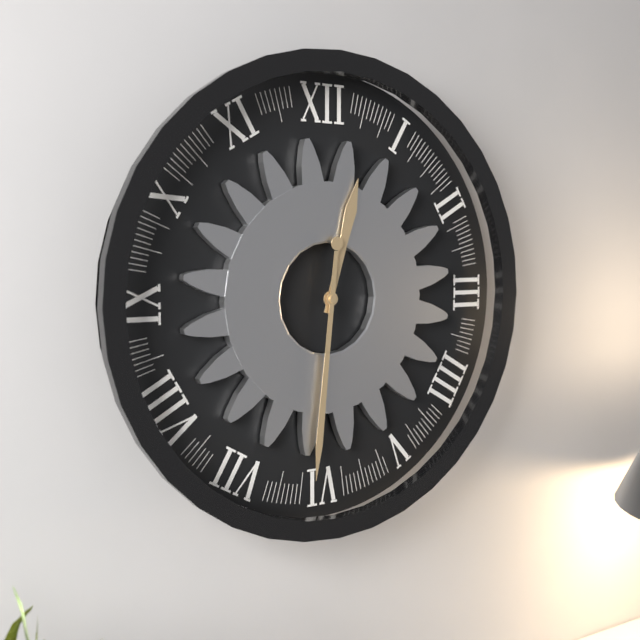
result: 12.31
